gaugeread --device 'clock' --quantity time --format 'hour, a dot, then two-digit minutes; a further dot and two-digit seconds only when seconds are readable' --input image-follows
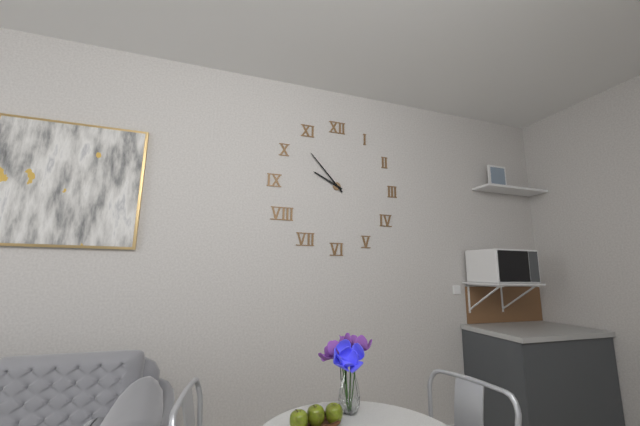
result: 9.53
